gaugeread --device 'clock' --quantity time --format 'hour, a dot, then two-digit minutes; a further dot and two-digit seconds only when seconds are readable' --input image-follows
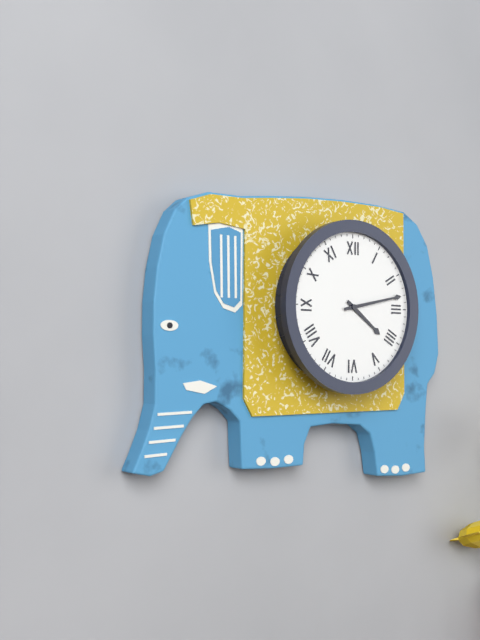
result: 4.13
